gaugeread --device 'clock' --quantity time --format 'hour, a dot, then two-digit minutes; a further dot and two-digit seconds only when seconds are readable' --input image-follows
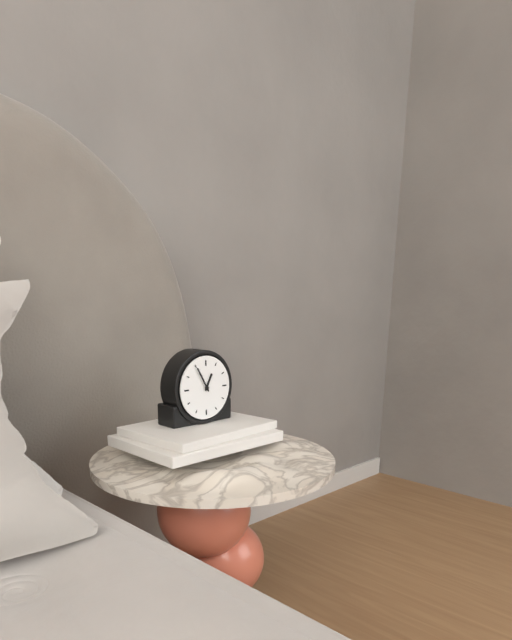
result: 12.55
